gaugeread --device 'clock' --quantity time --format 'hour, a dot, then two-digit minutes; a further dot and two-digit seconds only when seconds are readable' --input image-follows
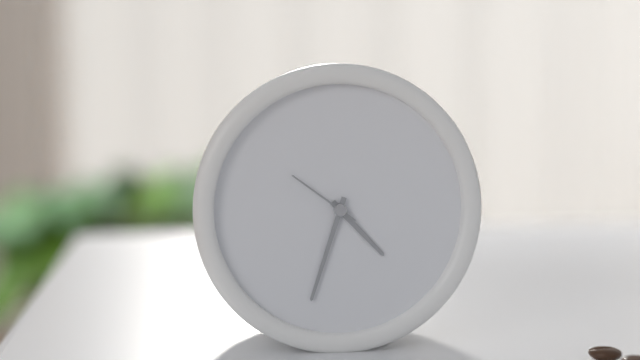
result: 4.33.51
